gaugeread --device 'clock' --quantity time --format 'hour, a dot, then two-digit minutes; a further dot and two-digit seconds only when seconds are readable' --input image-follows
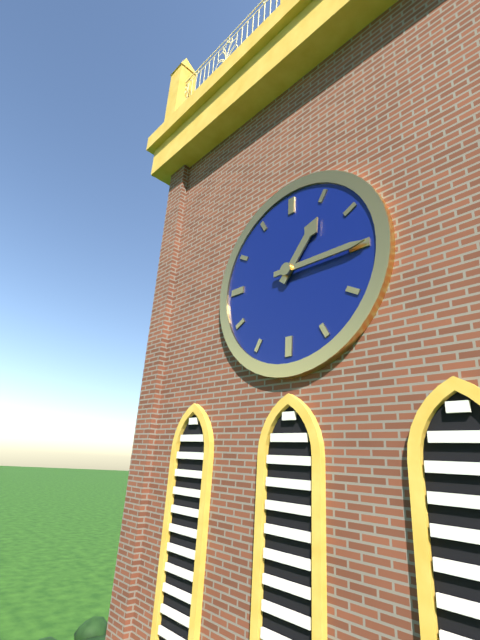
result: 1.15
